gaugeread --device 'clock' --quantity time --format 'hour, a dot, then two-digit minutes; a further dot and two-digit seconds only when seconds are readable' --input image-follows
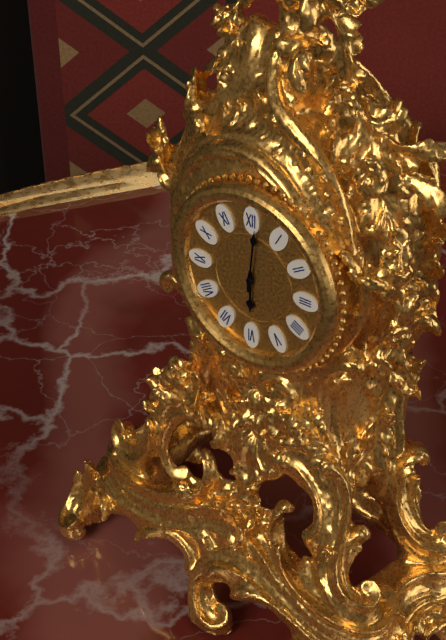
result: 6.01
